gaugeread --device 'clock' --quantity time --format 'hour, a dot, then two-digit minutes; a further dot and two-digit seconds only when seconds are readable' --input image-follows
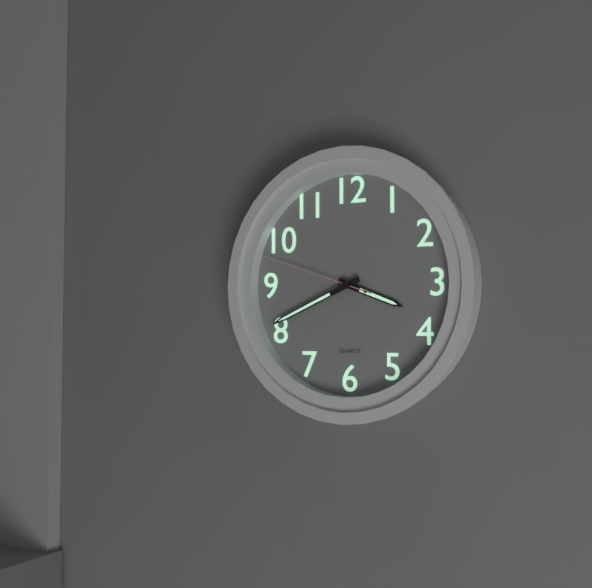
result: 3.41.48
